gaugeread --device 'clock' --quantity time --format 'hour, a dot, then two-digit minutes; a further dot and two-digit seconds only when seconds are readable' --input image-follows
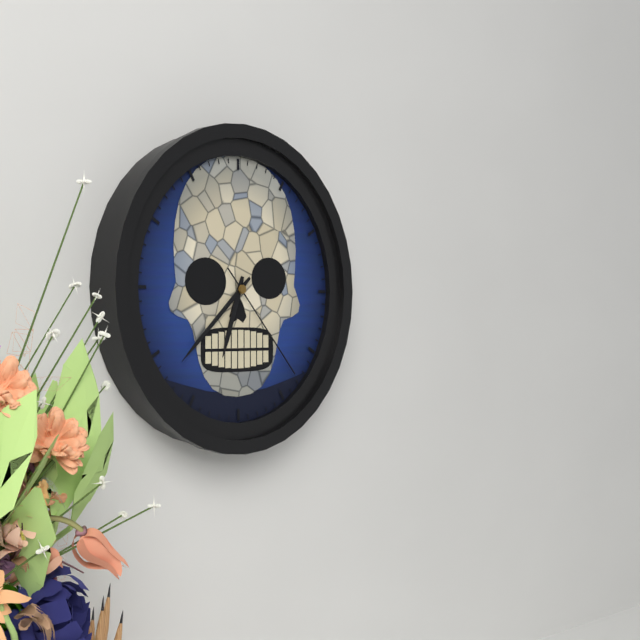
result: 6.38.23
